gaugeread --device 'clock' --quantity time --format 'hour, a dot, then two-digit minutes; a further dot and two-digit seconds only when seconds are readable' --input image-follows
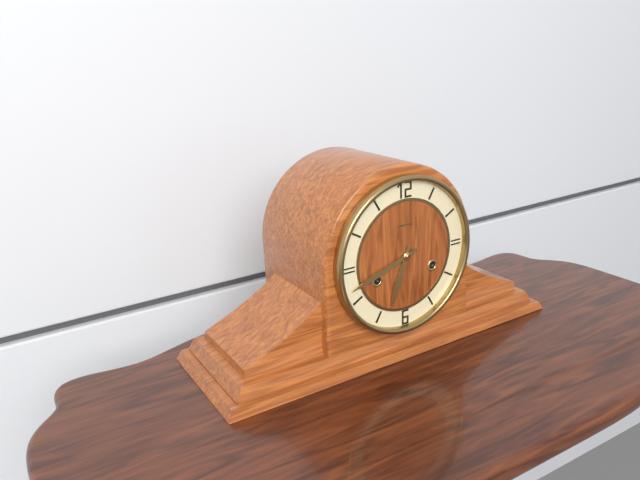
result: 6.42
